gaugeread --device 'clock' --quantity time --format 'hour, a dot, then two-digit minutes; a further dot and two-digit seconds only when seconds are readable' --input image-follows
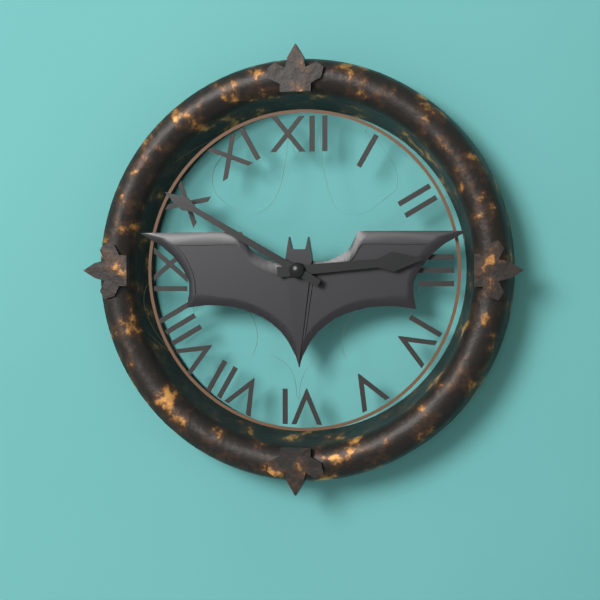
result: 2.50
